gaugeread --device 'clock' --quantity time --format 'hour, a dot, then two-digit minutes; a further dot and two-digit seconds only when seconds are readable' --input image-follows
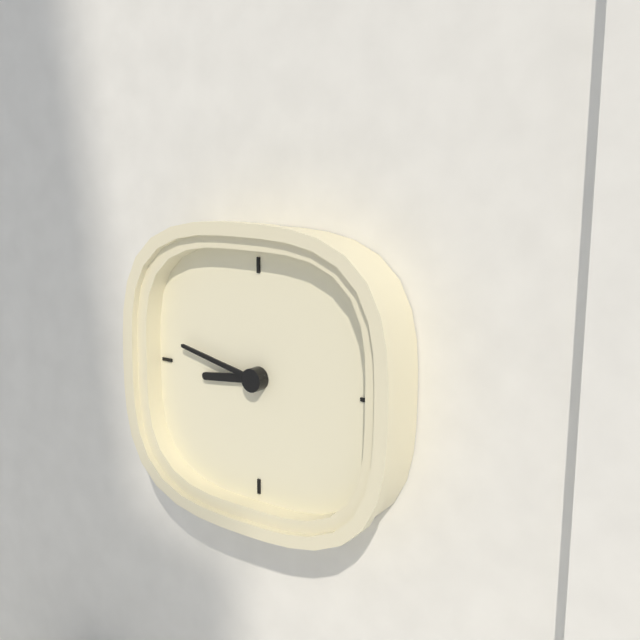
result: 8.47
